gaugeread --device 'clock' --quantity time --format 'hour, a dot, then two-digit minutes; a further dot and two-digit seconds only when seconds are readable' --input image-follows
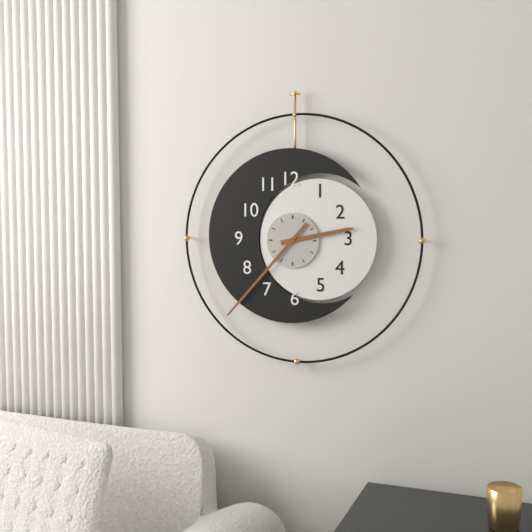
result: 2.37
